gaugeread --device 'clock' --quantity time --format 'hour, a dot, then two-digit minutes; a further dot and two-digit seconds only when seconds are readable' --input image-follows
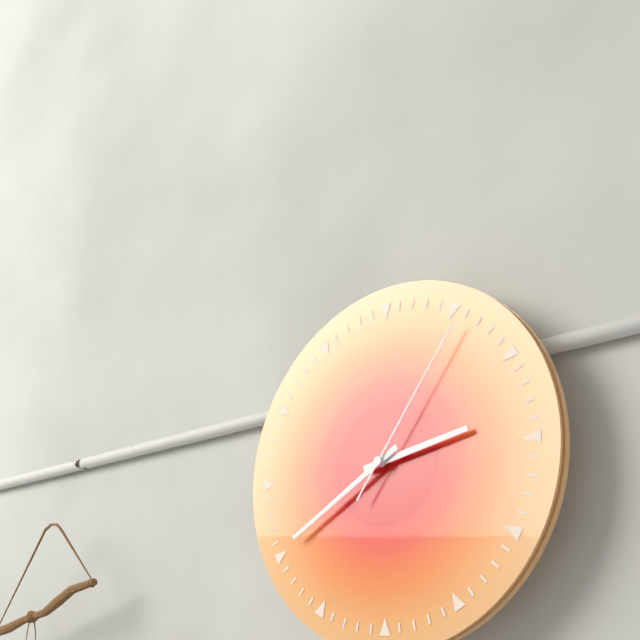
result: 2.40.06
